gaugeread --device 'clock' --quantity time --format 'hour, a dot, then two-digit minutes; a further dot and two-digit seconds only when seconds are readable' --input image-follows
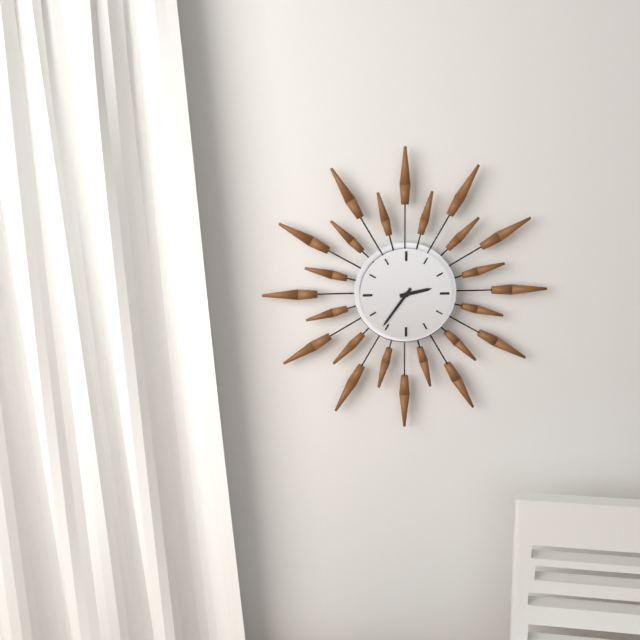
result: 2.36
